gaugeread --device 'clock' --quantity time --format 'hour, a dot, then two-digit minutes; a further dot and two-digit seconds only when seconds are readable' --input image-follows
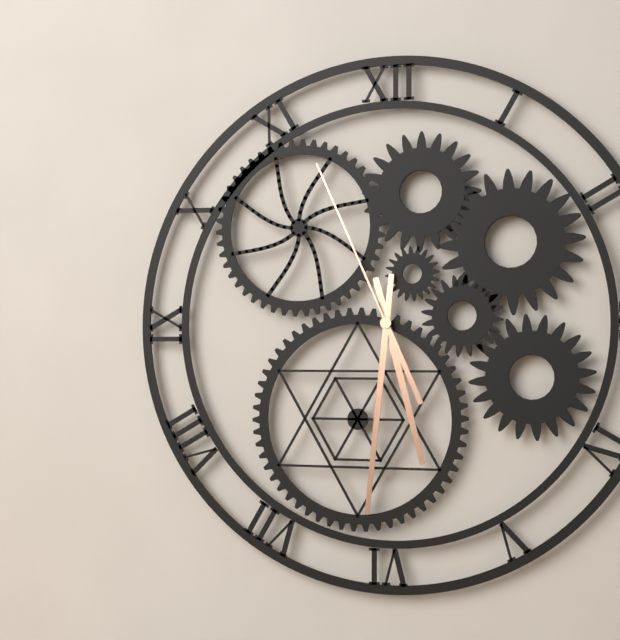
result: 5.31.56
